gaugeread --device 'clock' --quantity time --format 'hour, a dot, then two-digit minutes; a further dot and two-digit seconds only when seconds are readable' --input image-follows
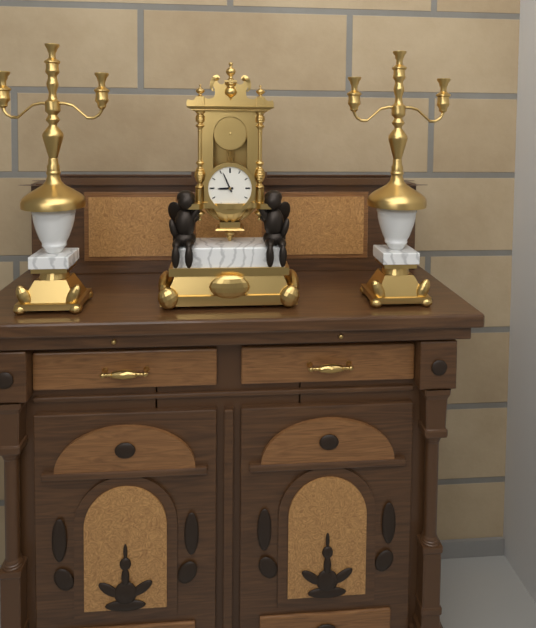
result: 8.56
